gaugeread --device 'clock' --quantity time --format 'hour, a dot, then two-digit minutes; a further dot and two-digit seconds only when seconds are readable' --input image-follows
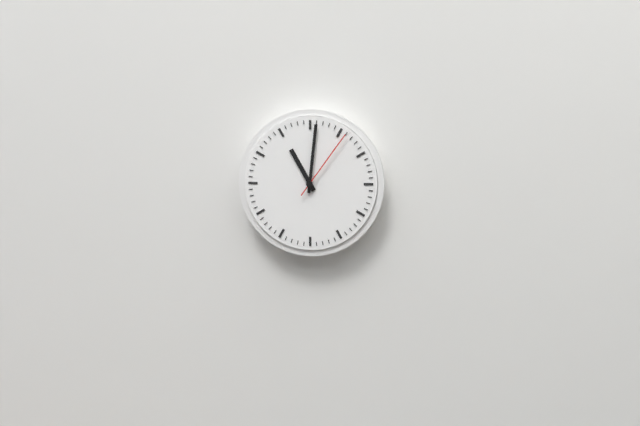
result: 11.01.06
